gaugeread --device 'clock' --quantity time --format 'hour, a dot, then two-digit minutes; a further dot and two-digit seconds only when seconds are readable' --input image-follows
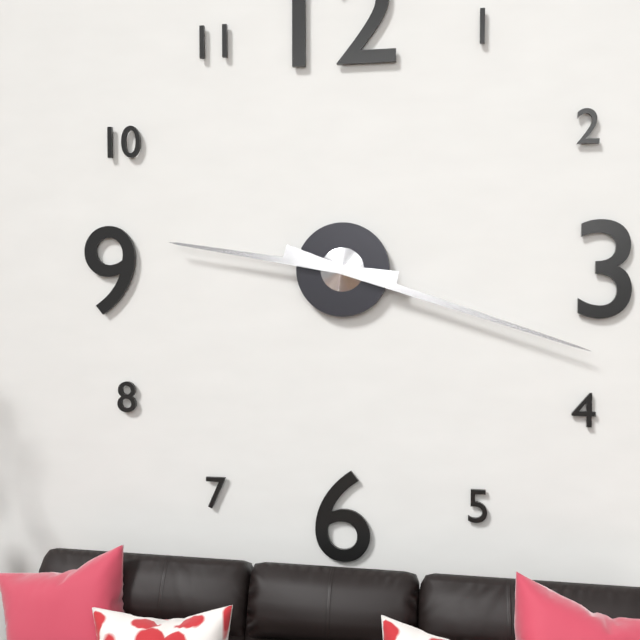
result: 9.18
